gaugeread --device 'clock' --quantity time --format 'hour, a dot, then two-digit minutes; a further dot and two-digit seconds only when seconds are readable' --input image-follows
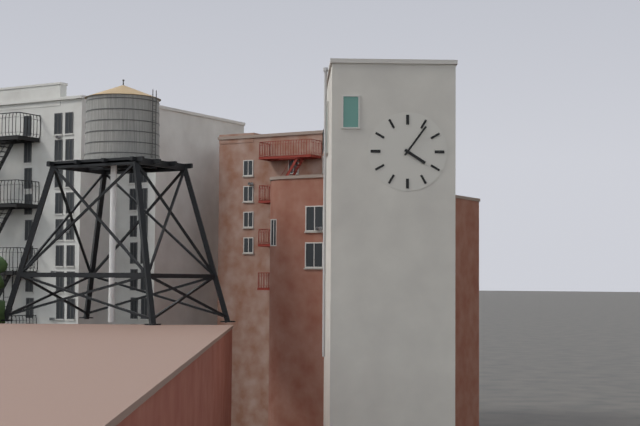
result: 4.06
